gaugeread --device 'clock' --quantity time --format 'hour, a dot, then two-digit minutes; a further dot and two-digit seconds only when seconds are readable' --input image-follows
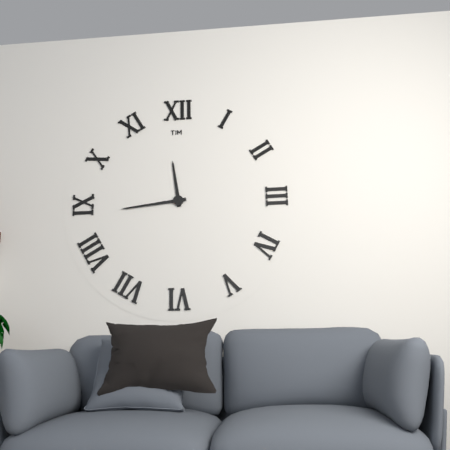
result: 11.44
